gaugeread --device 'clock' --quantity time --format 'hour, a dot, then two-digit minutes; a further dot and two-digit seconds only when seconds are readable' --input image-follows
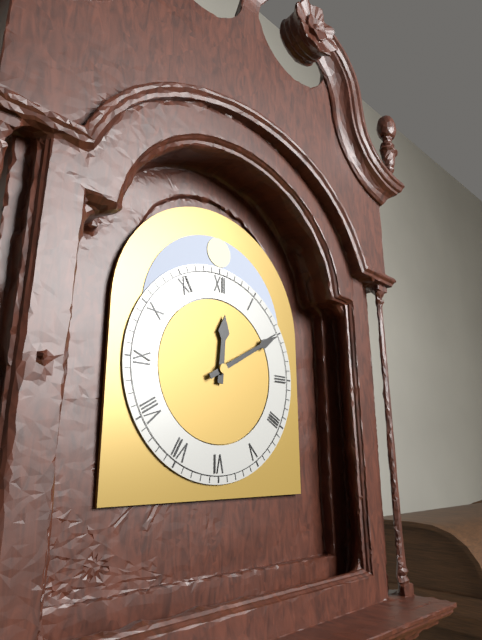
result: 12.10
